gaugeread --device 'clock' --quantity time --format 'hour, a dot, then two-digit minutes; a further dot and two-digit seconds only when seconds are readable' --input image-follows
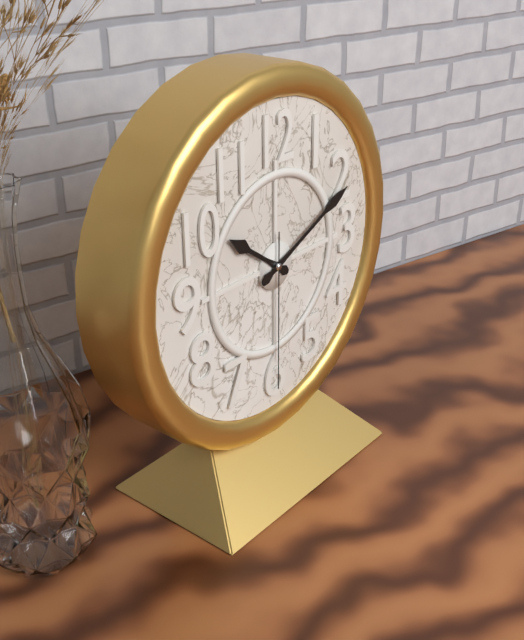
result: 10.11.30
